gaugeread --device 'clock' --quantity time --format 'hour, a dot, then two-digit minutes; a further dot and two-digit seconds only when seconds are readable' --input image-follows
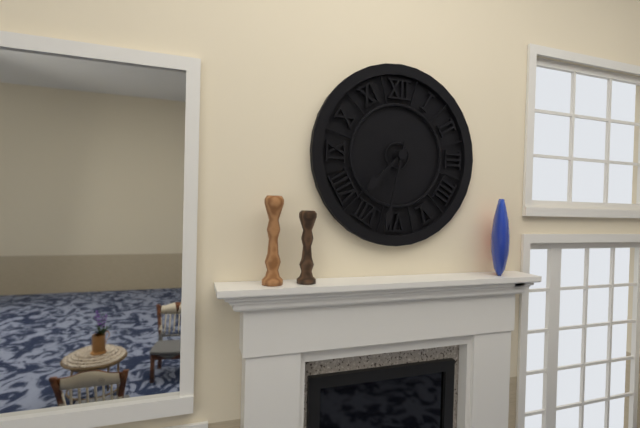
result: 7.32
